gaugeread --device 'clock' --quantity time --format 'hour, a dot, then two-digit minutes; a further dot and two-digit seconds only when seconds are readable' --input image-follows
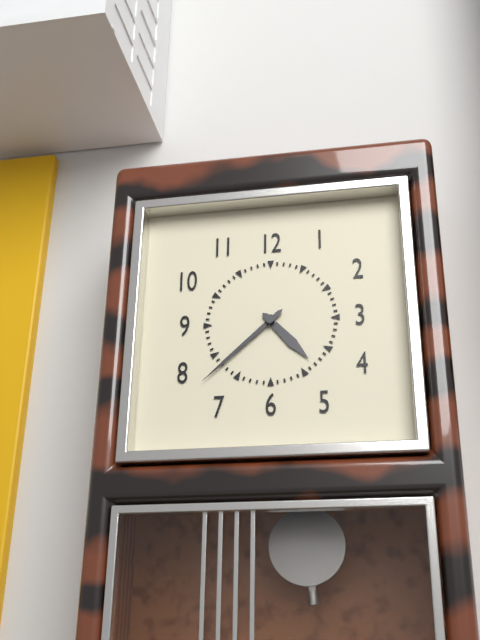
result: 4.38
